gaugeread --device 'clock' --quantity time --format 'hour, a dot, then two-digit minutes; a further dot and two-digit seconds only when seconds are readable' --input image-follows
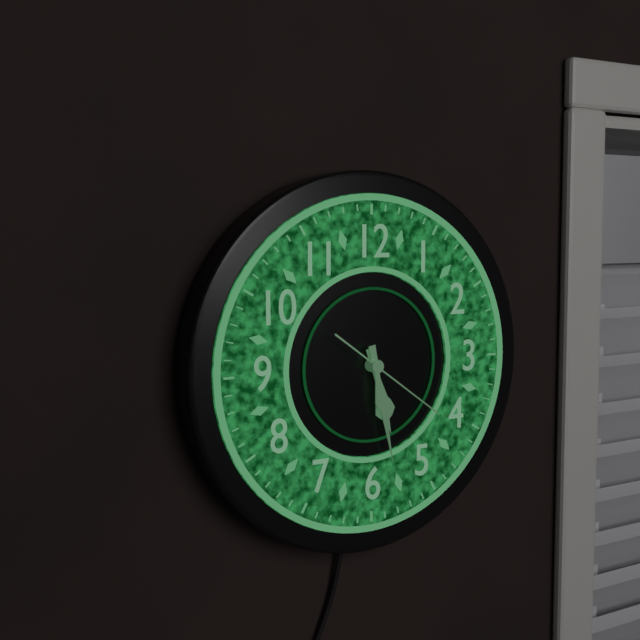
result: 5.28.21
